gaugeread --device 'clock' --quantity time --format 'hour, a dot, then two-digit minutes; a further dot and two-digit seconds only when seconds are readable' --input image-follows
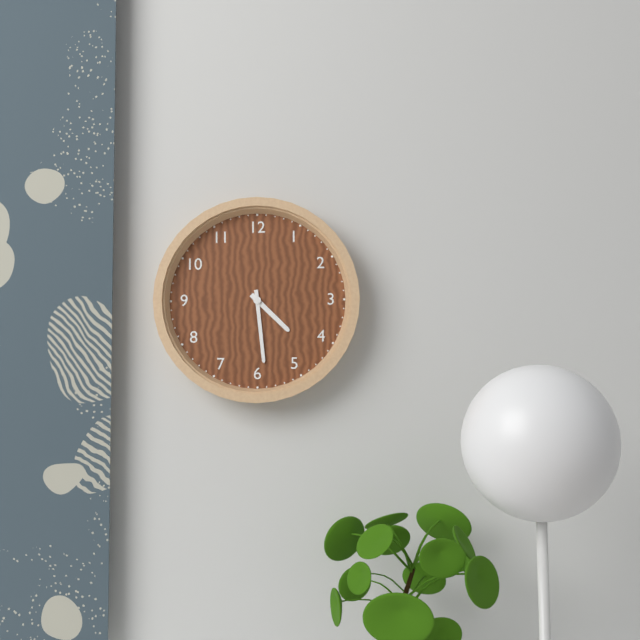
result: 4.29
